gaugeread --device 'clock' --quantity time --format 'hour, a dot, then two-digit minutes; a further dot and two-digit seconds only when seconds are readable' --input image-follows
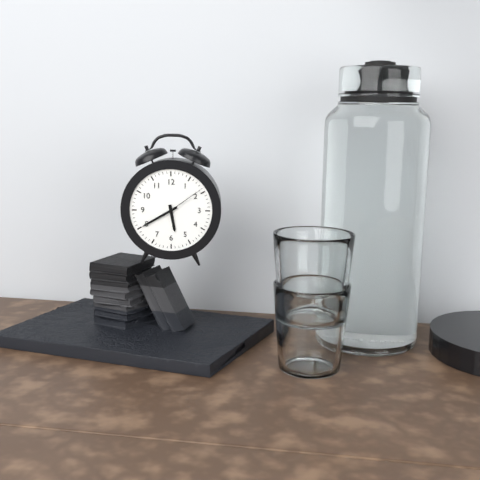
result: 5.40
